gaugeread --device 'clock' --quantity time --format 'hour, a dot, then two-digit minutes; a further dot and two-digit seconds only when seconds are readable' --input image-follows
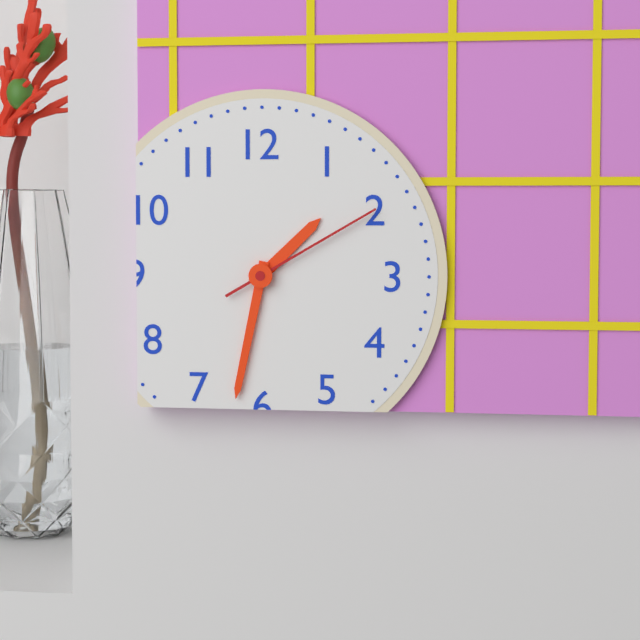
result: 1.32.10
